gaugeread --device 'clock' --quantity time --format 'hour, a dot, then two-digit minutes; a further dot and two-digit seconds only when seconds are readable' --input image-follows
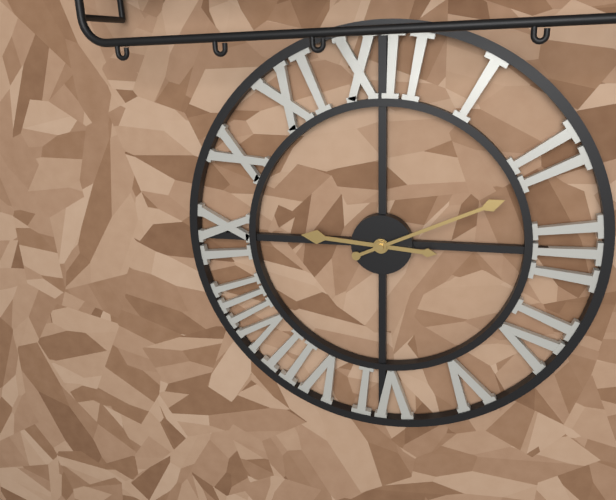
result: 9.11
